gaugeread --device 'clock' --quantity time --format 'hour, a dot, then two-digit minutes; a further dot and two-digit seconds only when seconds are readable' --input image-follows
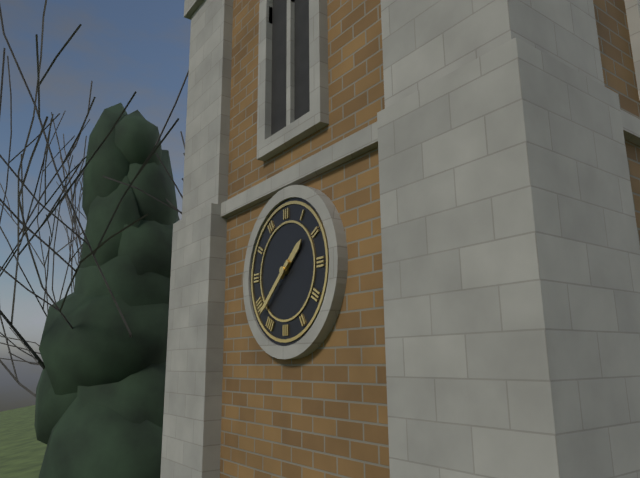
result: 1.38
